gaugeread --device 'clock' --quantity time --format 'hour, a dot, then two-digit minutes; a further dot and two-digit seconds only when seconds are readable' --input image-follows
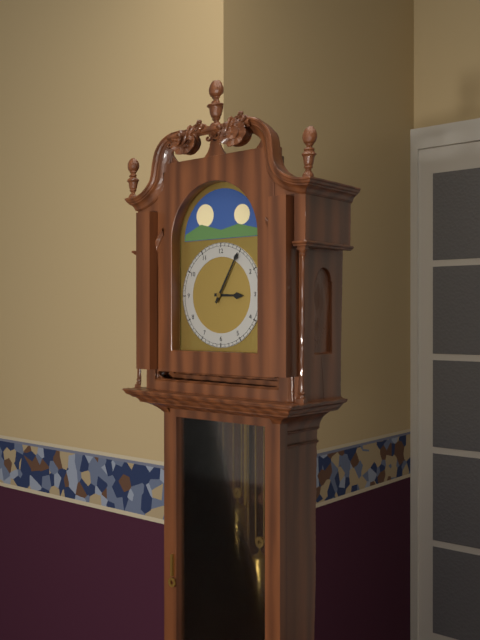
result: 3.05
